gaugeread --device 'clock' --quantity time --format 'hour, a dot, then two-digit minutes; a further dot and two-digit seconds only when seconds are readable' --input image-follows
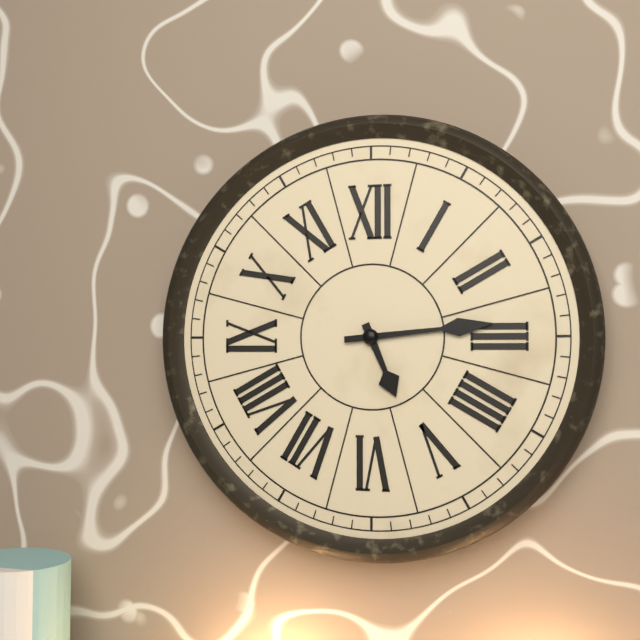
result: 5.14
